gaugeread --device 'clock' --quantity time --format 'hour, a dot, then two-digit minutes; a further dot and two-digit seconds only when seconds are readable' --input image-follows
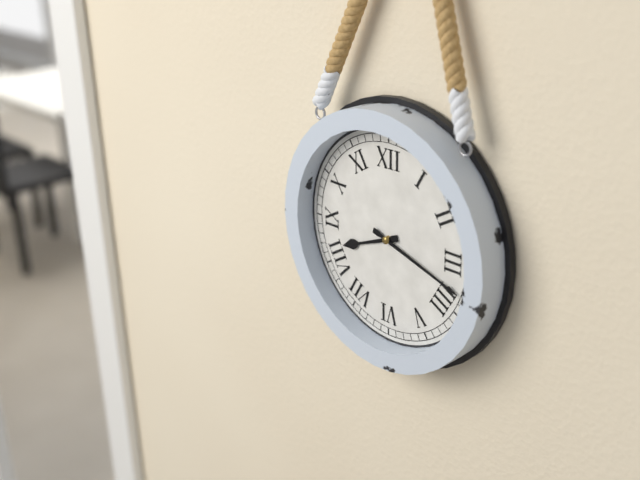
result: 8.18
